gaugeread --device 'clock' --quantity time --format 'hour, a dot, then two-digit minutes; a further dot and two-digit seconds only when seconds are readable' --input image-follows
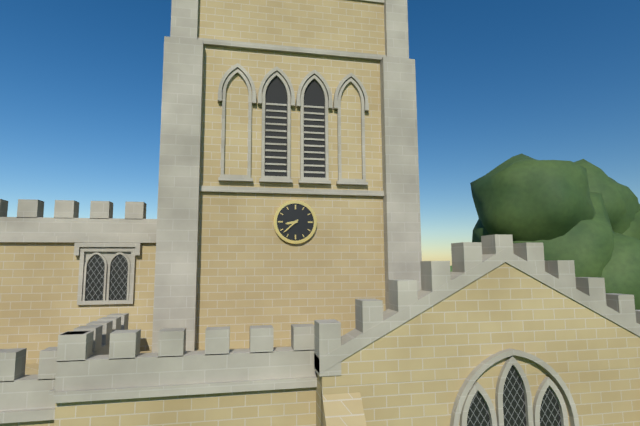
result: 8.38
